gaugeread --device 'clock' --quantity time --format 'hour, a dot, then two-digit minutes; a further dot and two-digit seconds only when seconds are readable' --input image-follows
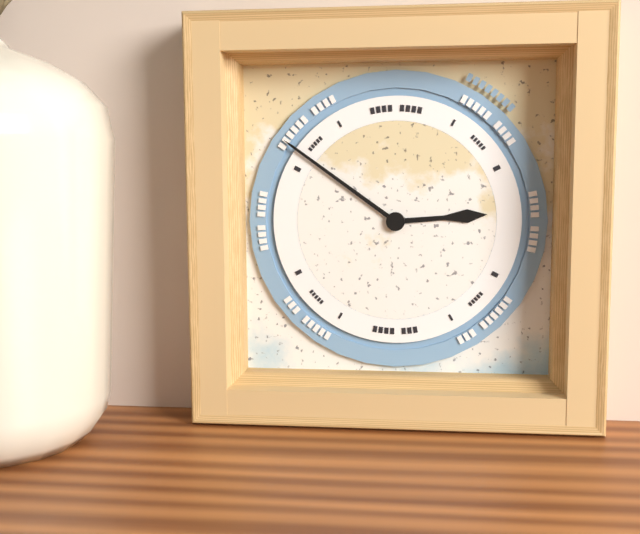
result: 2.51
